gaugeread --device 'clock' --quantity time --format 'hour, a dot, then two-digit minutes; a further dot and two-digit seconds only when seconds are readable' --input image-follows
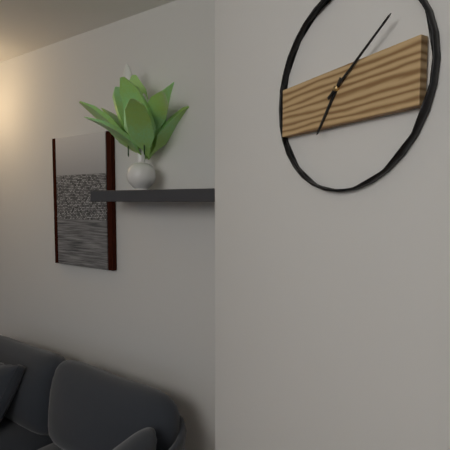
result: 7.09
